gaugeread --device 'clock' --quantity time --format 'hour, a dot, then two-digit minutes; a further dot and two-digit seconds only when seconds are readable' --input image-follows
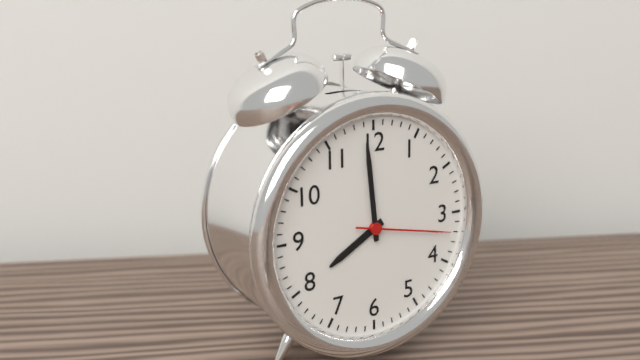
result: 7.59.17
